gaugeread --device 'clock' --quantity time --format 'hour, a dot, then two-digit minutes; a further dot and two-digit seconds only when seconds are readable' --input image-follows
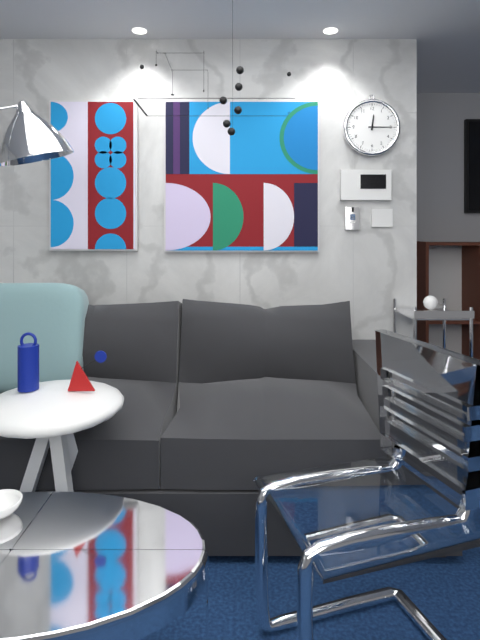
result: 12.15
